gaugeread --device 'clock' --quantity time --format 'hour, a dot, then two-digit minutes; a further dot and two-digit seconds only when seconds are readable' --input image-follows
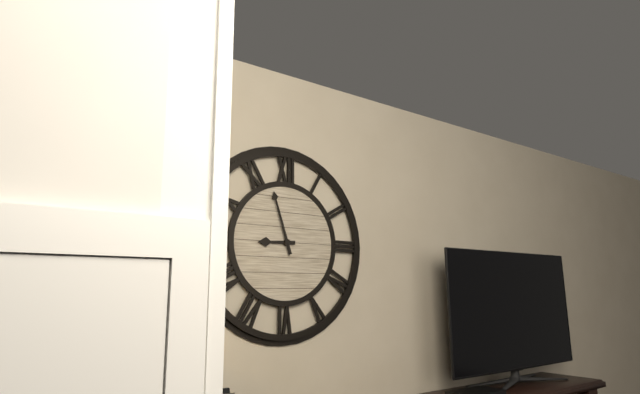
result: 8.57
